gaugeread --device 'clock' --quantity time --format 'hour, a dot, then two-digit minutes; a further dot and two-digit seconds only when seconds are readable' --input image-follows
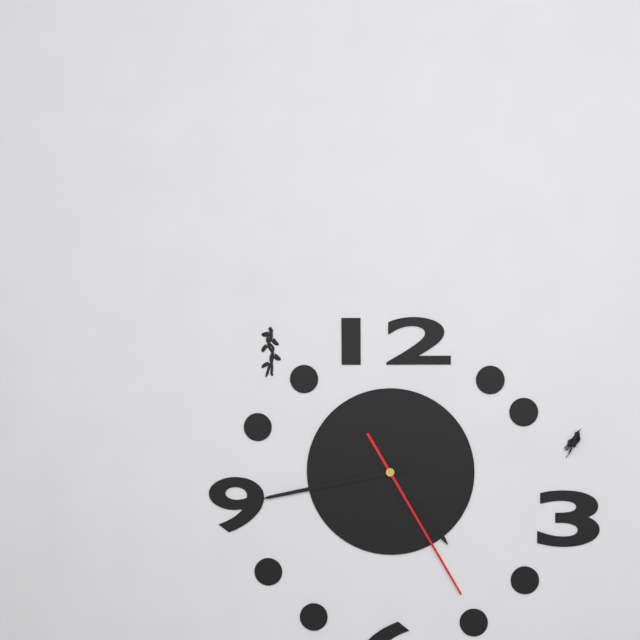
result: 4.43.25
